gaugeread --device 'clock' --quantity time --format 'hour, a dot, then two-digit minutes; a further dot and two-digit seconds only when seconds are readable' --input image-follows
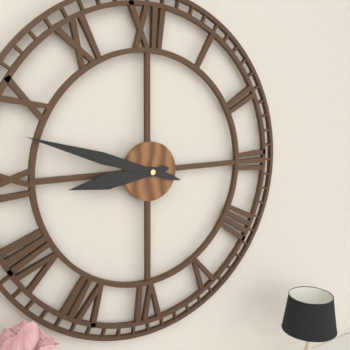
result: 8.48
